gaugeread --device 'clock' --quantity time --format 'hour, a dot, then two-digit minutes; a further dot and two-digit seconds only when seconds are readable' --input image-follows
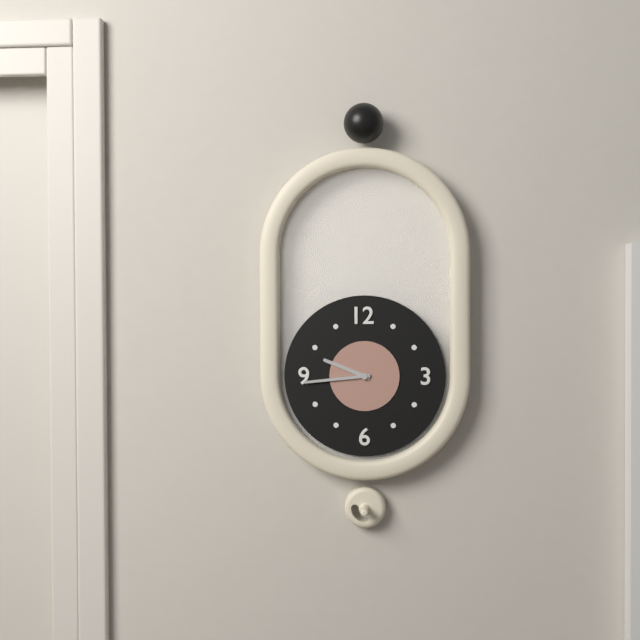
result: 9.44
